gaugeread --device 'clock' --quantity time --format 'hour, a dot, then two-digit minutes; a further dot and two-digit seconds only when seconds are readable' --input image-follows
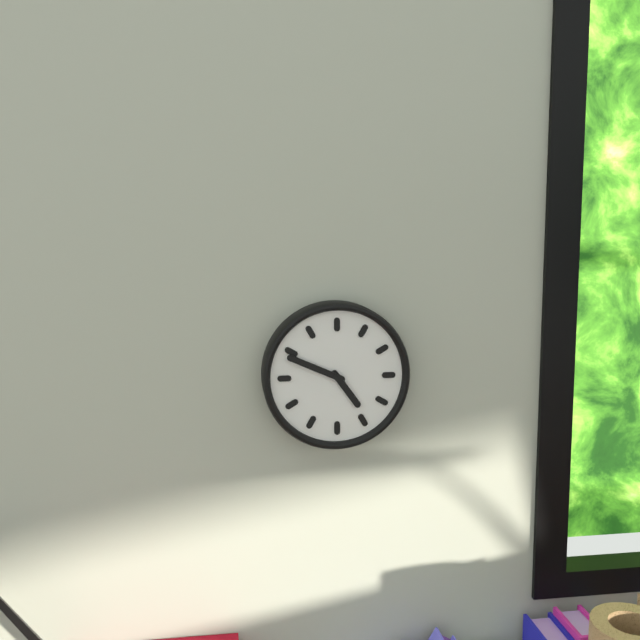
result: 4.49
